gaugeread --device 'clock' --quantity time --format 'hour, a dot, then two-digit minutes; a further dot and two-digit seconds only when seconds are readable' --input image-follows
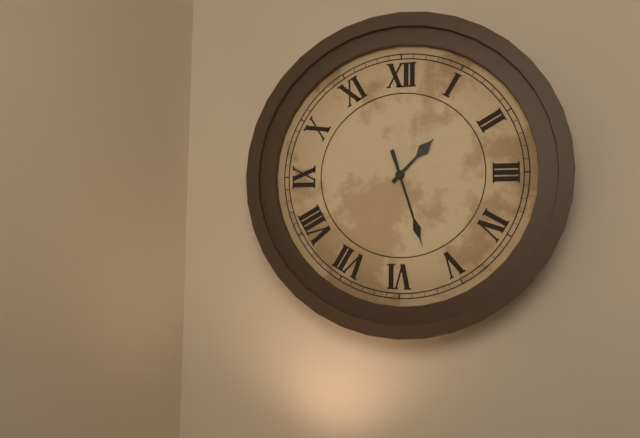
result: 1.27
